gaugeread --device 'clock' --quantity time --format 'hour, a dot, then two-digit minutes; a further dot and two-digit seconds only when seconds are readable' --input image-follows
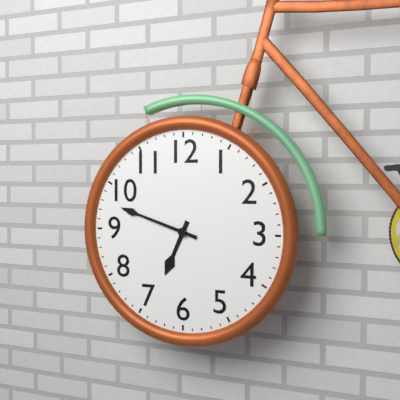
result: 6.48
